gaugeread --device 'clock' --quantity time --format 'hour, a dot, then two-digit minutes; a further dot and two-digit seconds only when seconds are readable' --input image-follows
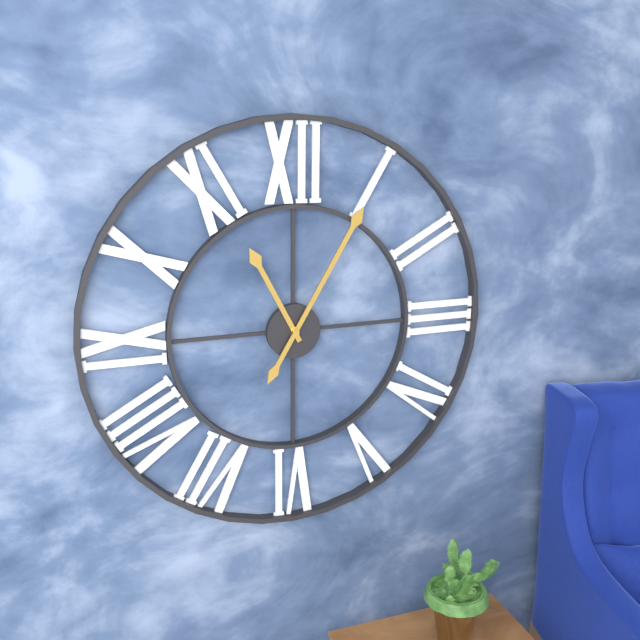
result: 11.05
